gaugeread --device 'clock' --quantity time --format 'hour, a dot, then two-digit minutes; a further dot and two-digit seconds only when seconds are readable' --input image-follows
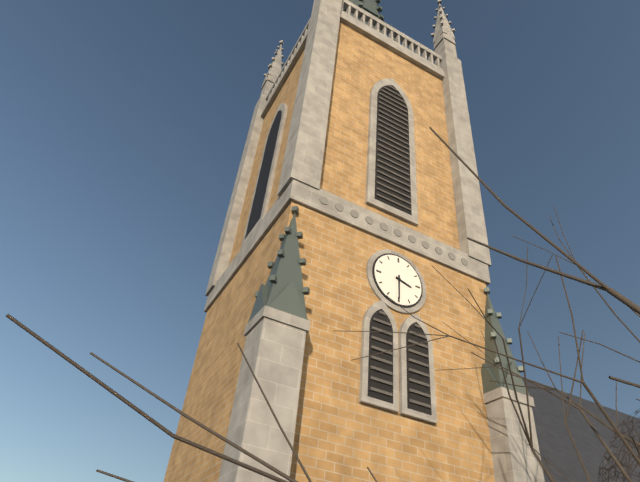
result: 3.30
